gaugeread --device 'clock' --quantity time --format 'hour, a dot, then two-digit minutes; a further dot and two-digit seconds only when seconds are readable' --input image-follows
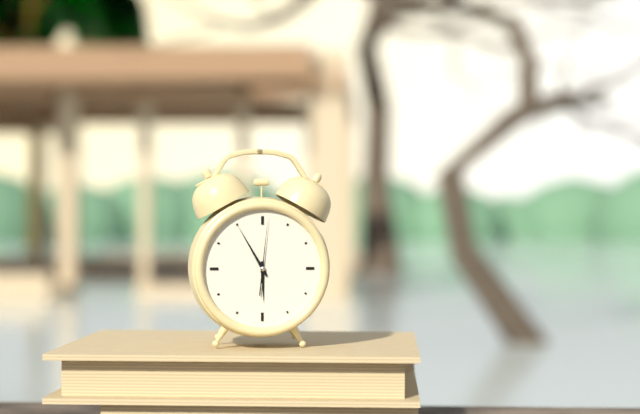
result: 5.55.01
